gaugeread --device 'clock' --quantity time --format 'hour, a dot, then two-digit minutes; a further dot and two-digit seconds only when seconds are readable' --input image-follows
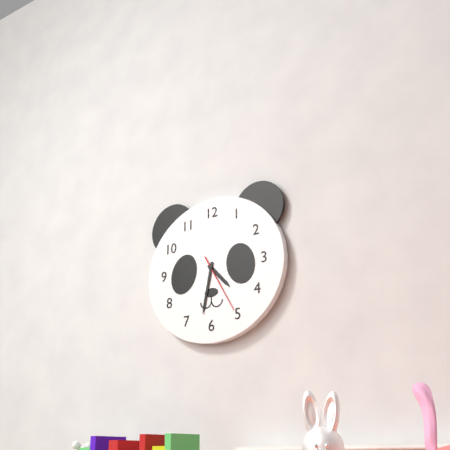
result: 4.32.25
